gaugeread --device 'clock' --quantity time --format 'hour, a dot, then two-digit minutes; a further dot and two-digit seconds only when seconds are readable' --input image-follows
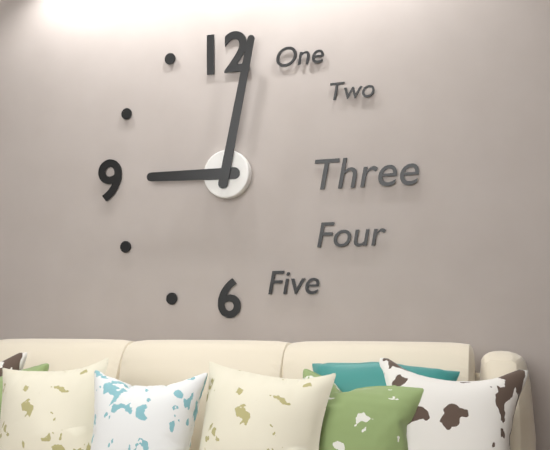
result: 9.02
